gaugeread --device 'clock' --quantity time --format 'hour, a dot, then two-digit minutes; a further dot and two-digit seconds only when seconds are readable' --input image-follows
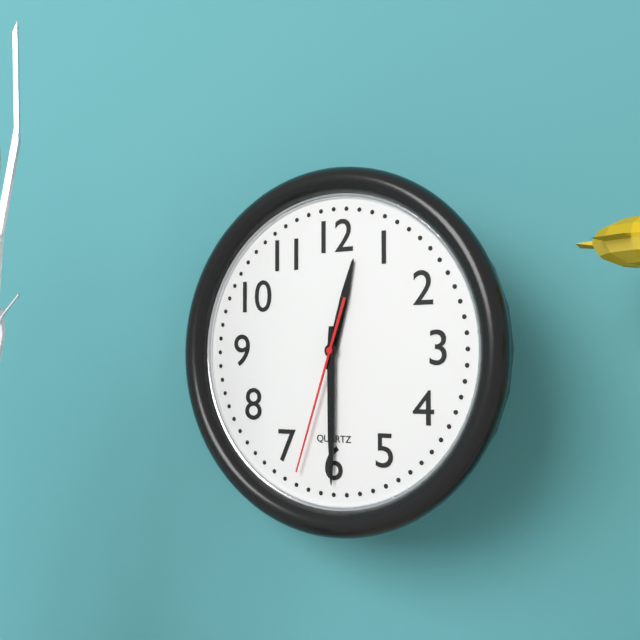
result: 12.30.33
